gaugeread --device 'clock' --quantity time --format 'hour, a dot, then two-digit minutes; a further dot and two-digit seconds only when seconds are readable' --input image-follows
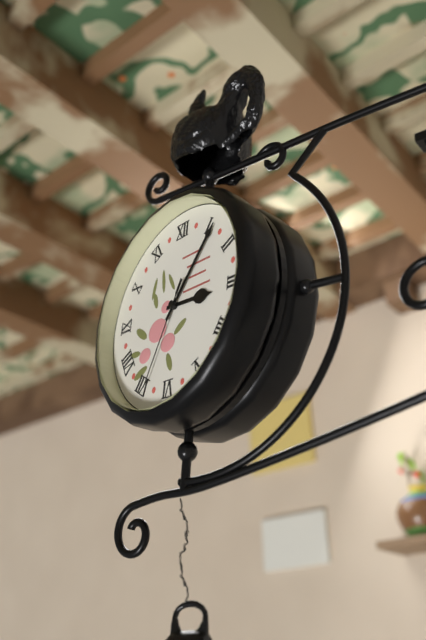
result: 3.06.34
